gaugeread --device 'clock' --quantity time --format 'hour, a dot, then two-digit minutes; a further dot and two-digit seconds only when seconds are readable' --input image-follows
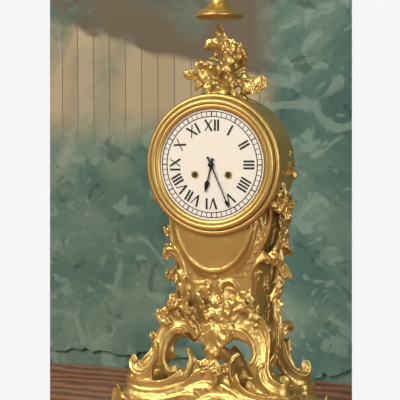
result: 6.26
